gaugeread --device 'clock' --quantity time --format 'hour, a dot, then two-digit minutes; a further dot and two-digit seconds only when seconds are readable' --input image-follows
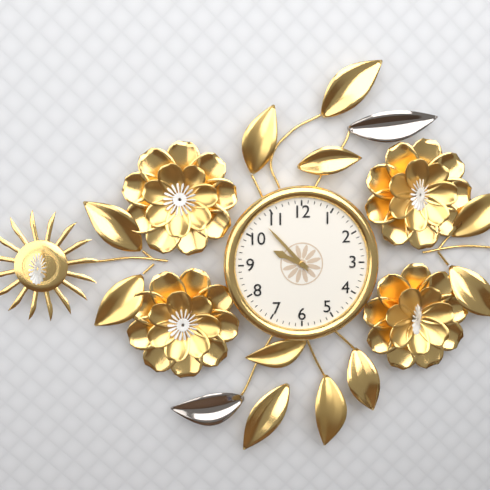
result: 9.53
